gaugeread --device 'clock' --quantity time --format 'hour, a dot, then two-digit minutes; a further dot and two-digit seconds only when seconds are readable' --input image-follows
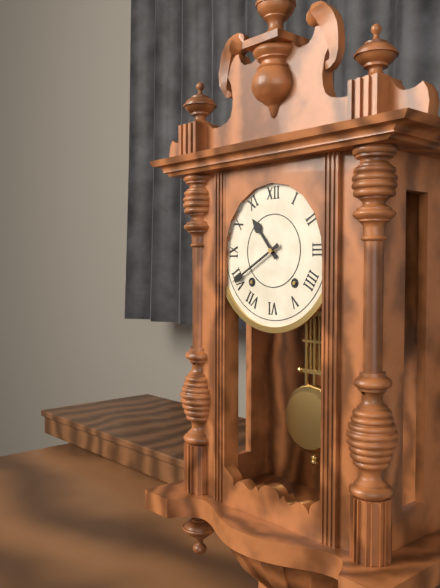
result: 10.40
